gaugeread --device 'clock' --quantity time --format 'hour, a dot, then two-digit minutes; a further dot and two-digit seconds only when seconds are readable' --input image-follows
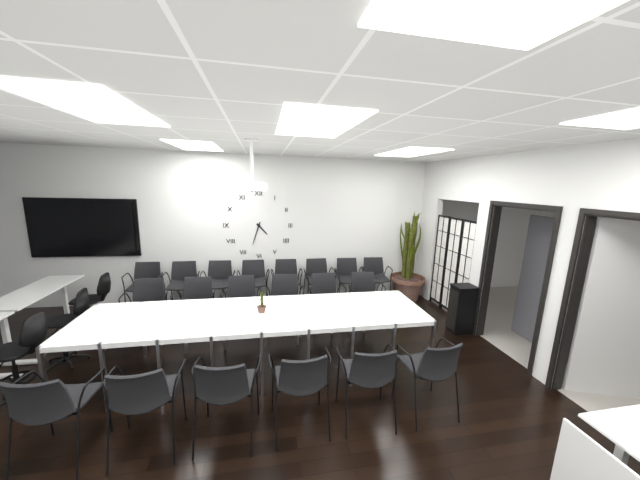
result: 4.33
